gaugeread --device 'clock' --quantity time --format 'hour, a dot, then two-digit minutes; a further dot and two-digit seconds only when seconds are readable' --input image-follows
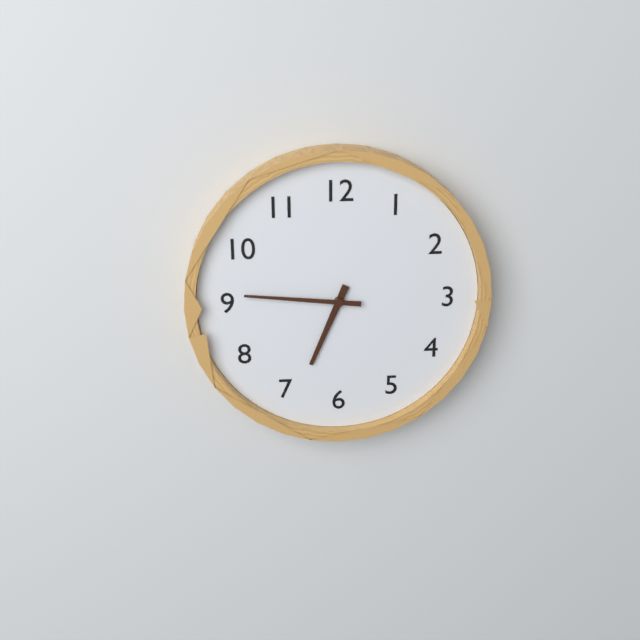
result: 6.46
